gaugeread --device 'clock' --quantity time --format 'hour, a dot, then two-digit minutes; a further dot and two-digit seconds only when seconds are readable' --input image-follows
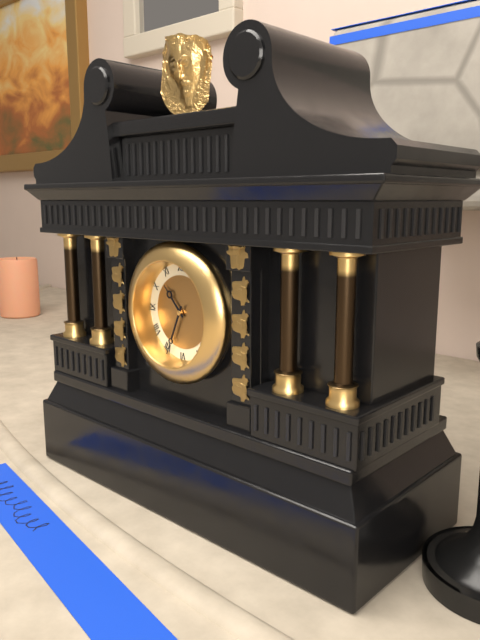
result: 10.34
